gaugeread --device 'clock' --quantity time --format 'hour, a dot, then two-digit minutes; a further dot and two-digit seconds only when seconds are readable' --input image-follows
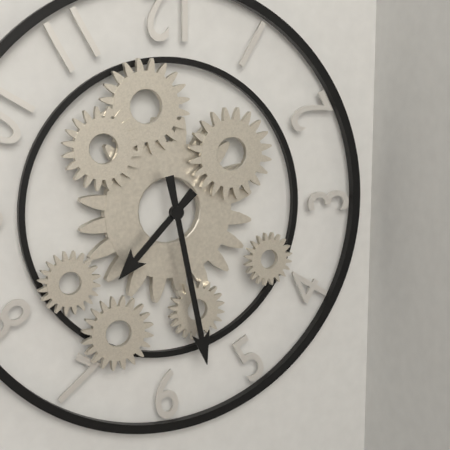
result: 7.28
